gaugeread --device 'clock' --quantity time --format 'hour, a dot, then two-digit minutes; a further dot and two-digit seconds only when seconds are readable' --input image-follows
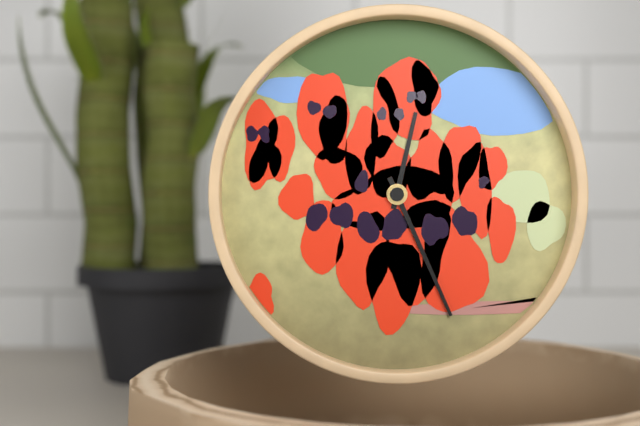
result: 12.26
